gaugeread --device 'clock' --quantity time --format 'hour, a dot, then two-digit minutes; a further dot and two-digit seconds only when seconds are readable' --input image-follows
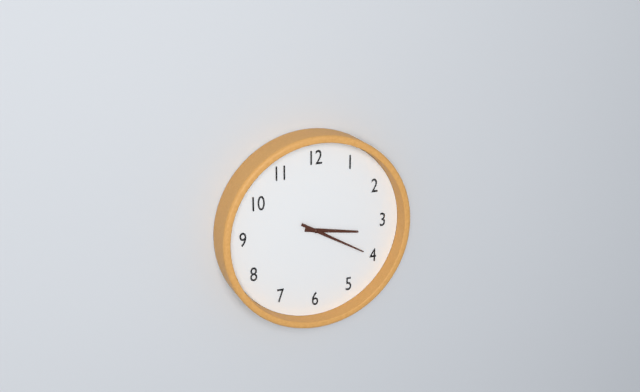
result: 3.20
